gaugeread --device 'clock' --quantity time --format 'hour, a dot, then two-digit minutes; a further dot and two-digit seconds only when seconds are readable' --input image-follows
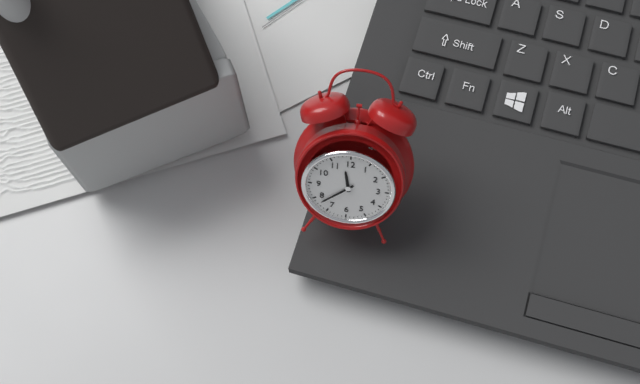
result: 11.38
